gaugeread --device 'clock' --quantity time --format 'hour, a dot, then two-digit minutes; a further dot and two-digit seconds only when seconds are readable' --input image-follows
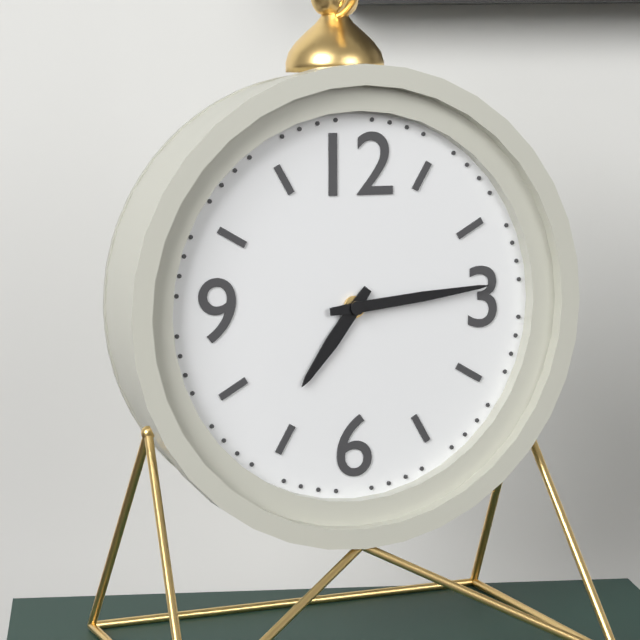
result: 7.14
